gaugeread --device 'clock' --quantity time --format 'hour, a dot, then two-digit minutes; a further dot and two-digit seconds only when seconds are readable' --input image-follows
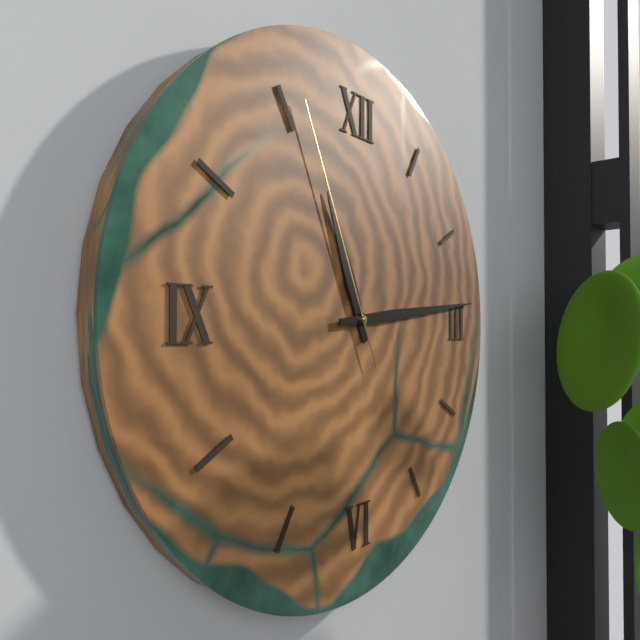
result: 11.14.56
